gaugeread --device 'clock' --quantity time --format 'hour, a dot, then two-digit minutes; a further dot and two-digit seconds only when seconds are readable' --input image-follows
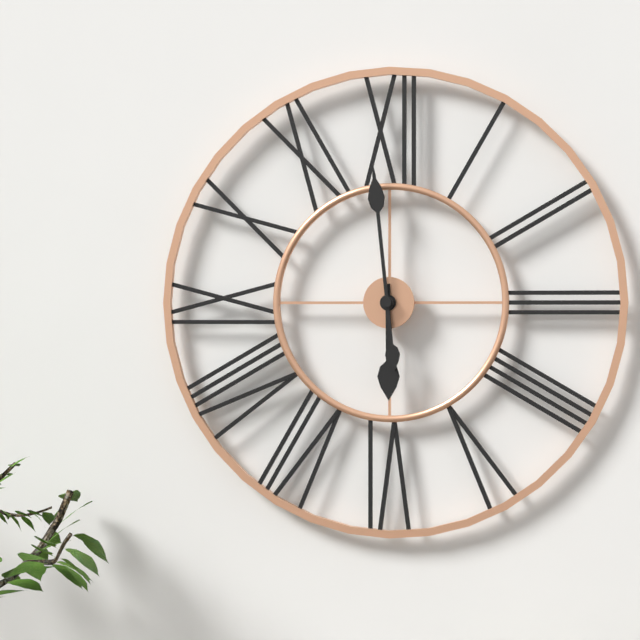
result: 5.59
